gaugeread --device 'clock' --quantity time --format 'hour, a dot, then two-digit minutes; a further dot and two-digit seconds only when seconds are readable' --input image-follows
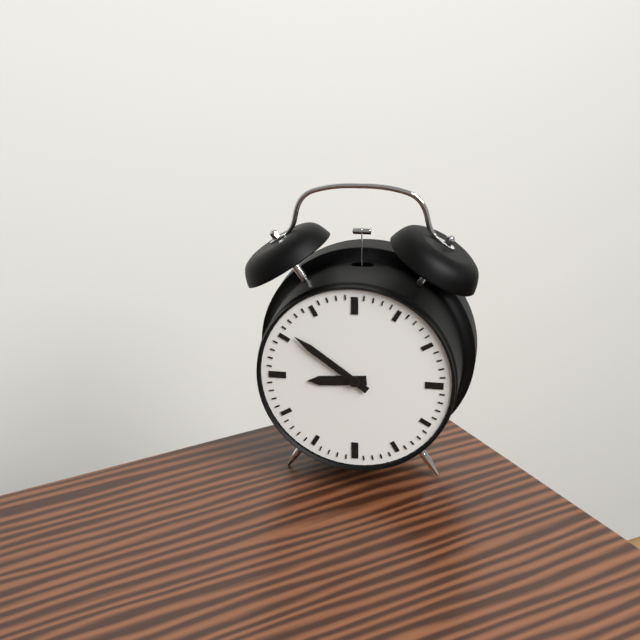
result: 8.51
